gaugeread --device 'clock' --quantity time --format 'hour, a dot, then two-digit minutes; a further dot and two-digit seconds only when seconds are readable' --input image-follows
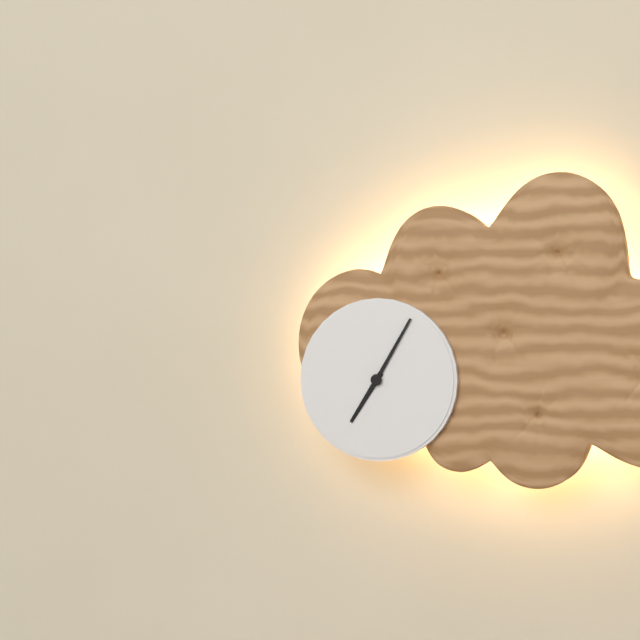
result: 7.05
